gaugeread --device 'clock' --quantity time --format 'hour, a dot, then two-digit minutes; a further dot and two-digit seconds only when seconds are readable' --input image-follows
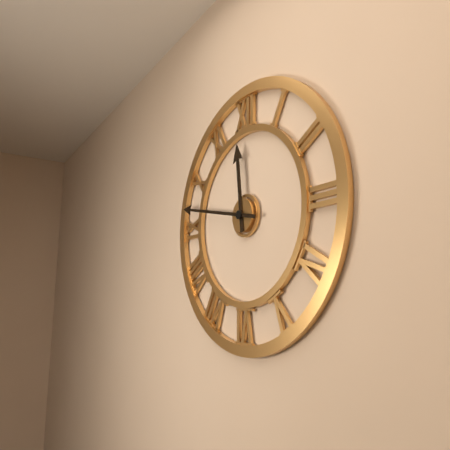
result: 11.47
